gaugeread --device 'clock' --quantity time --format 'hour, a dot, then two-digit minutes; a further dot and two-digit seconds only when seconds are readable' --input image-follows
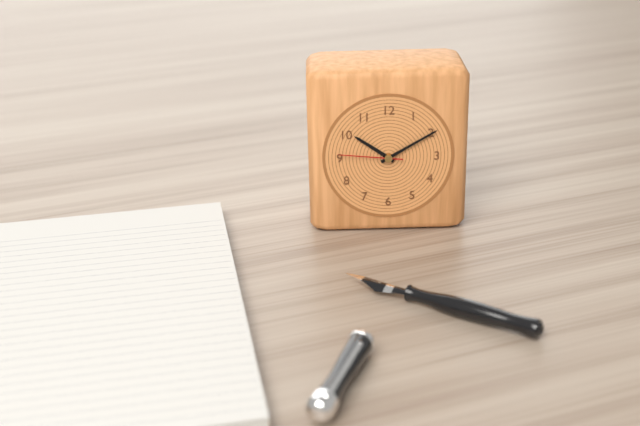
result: 10.10.46
